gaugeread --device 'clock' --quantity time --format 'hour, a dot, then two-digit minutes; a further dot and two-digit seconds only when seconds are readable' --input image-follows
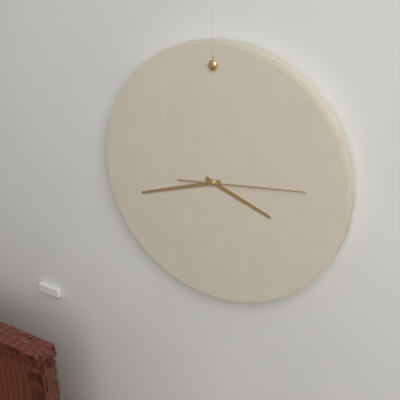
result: 3.42.14
